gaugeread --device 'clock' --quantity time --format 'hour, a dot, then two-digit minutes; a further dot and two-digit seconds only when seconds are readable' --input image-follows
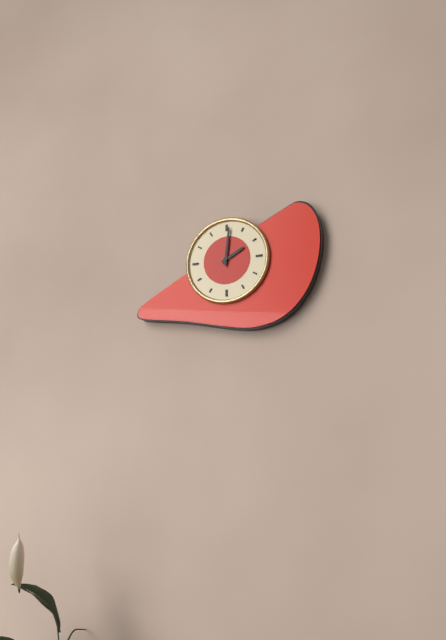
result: 2.01
